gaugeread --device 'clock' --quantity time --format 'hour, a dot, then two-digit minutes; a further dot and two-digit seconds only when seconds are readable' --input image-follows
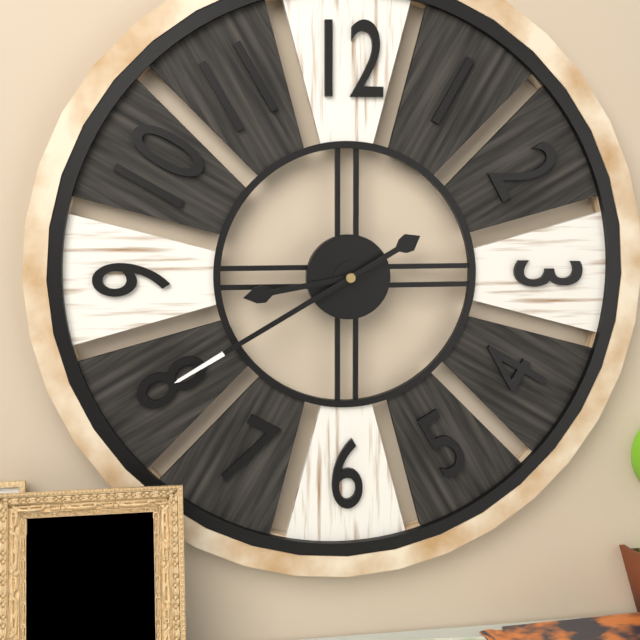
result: 8.40
